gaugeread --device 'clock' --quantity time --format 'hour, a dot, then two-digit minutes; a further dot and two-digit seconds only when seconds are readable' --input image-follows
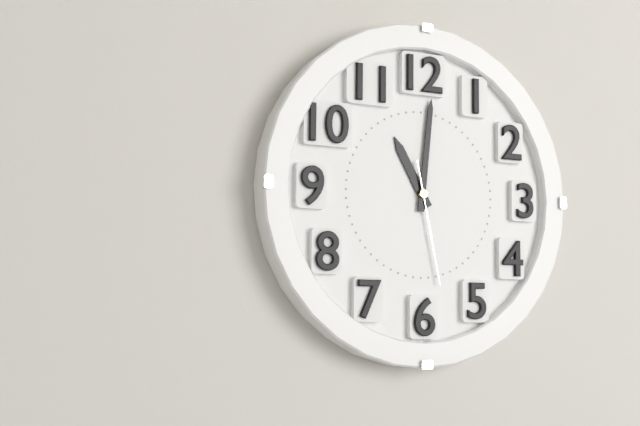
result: 11.01.28
